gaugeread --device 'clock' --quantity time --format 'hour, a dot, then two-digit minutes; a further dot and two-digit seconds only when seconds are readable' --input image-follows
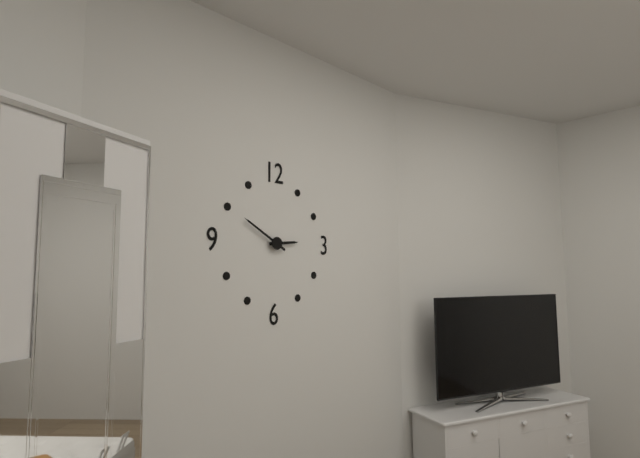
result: 2.50
